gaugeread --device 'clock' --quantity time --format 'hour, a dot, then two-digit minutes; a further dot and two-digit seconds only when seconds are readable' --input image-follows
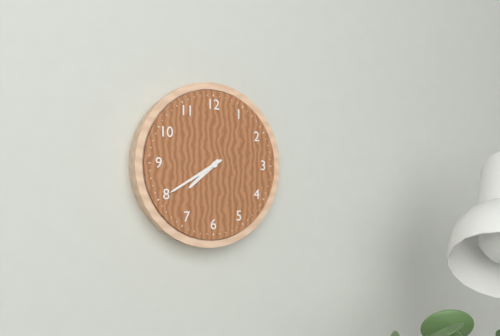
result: 7.40
